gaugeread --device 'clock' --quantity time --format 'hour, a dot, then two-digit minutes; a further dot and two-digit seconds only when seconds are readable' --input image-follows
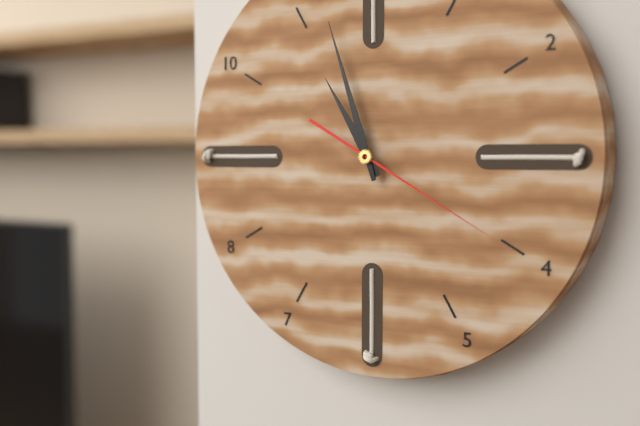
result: 10.57.20
